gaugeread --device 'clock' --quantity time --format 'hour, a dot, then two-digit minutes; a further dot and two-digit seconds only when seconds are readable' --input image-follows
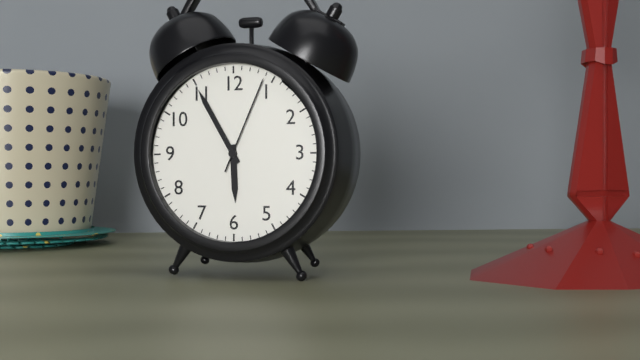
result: 5.55.04
